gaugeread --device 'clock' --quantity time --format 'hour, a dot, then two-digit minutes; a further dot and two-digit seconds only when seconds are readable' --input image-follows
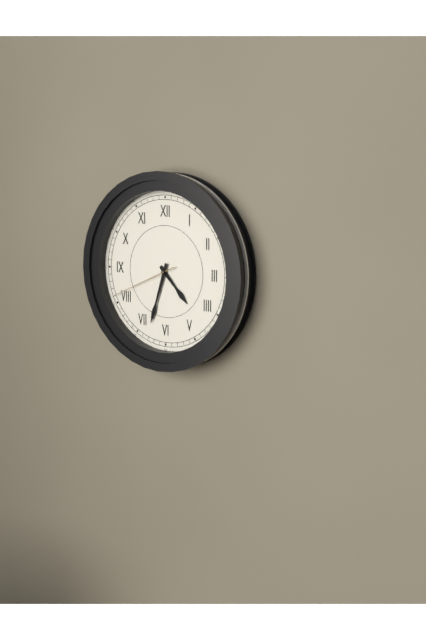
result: 4.33.41
